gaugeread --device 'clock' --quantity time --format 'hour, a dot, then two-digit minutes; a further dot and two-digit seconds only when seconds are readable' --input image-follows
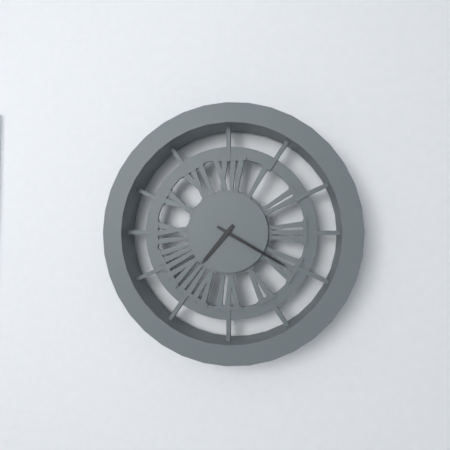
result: 7.20
